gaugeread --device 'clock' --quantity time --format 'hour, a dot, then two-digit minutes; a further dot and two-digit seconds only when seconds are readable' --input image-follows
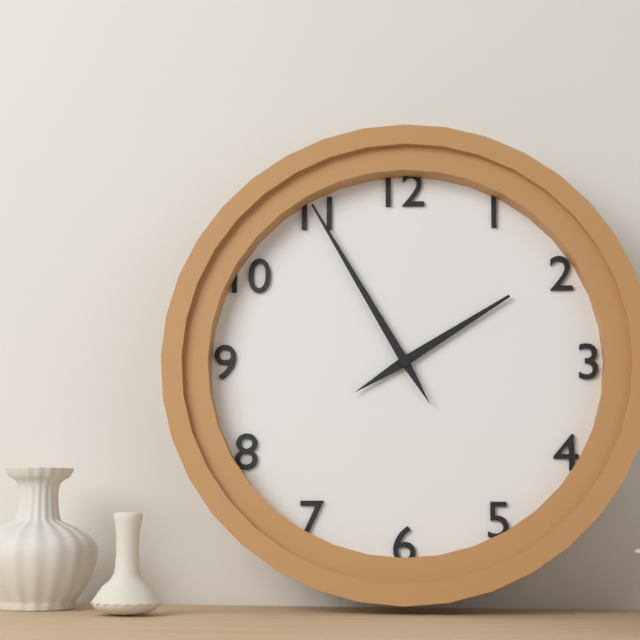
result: 1.55
